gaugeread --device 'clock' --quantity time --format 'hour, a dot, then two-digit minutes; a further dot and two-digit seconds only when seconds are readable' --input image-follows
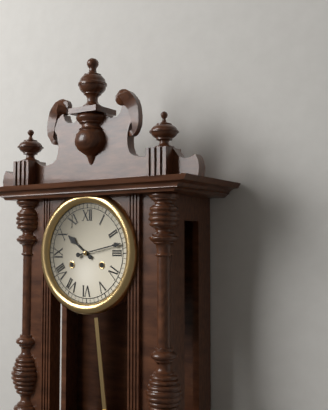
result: 10.13
